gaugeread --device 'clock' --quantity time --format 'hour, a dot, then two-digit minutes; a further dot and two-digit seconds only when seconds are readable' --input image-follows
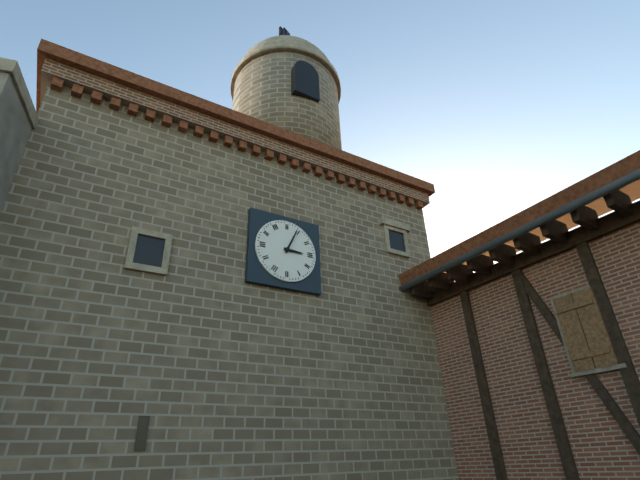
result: 3.04
